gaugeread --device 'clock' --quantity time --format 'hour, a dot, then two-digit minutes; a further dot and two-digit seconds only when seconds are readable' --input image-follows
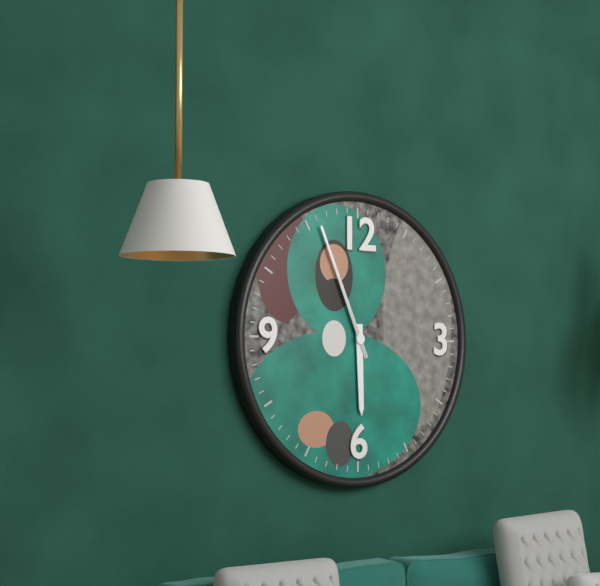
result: 5.56
